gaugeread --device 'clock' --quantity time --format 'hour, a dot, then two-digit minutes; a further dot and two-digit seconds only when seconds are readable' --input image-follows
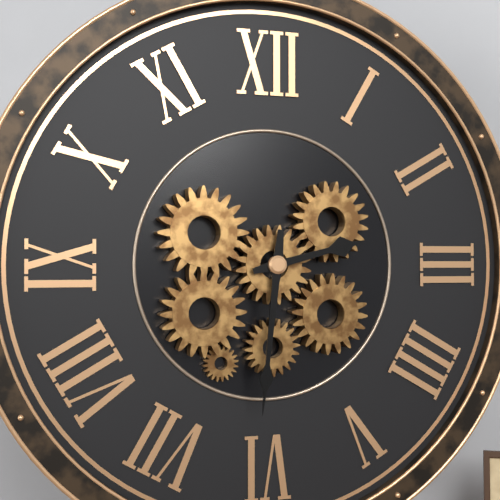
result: 2.31
